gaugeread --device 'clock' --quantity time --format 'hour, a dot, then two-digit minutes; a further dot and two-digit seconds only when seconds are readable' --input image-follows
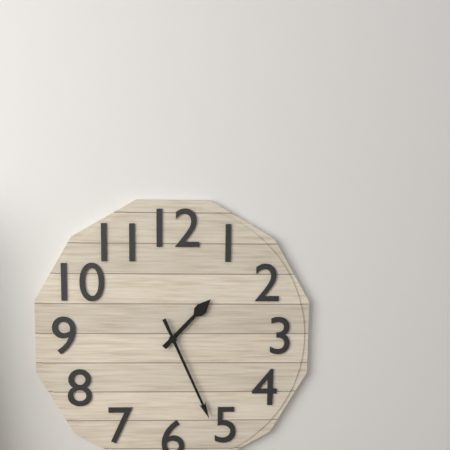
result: 1.26
